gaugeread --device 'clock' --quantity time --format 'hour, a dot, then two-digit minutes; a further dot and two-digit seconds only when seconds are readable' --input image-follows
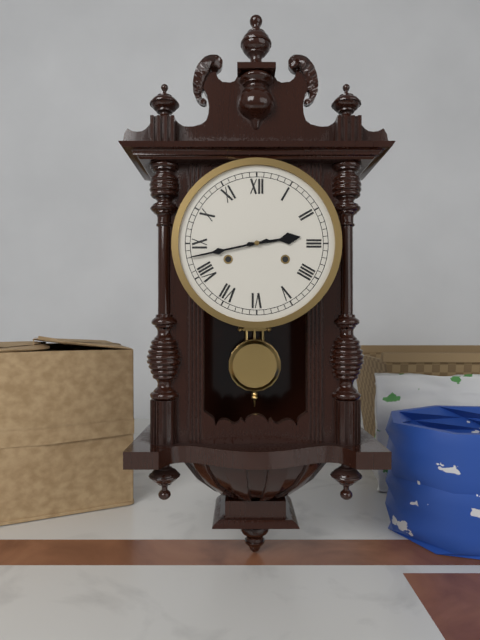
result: 2.43
